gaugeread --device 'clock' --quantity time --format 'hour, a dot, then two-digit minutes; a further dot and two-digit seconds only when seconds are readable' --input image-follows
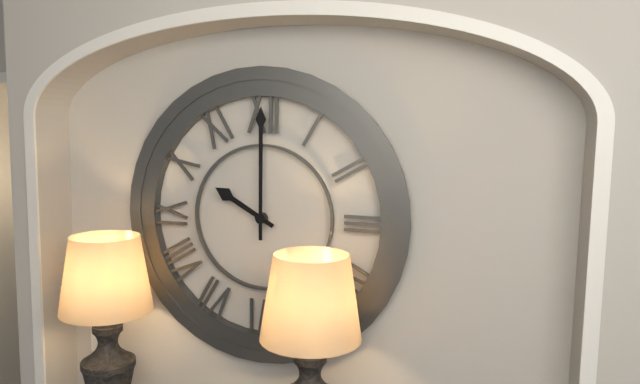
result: 10.00
